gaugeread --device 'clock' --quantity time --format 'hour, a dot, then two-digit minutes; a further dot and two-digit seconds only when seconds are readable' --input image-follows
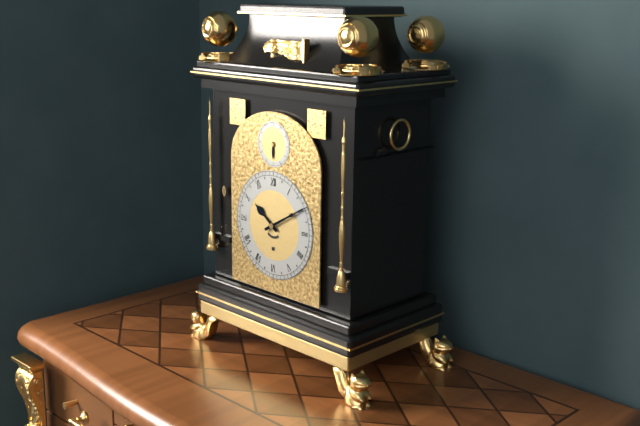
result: 10.10
